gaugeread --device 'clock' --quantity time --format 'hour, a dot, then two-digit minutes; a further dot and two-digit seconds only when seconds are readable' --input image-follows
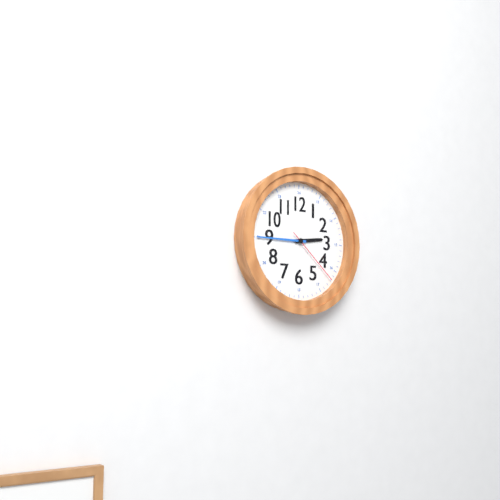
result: 2.45.22
